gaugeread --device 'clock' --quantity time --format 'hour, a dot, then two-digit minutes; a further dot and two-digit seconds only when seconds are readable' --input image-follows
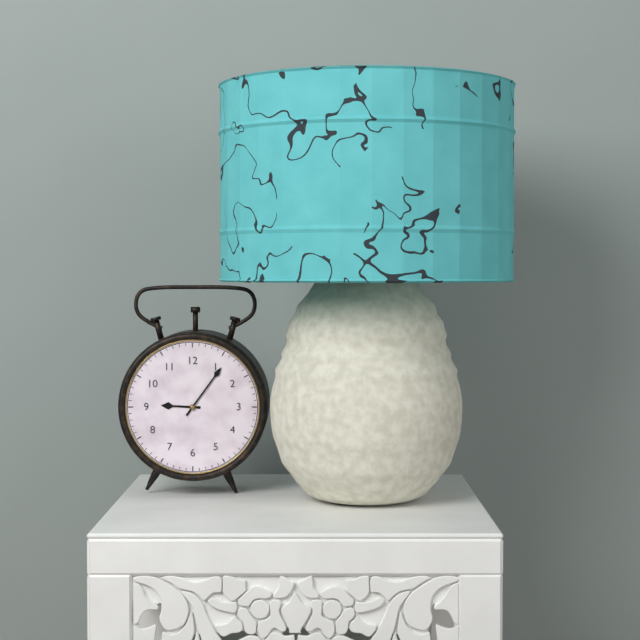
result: 9.06
